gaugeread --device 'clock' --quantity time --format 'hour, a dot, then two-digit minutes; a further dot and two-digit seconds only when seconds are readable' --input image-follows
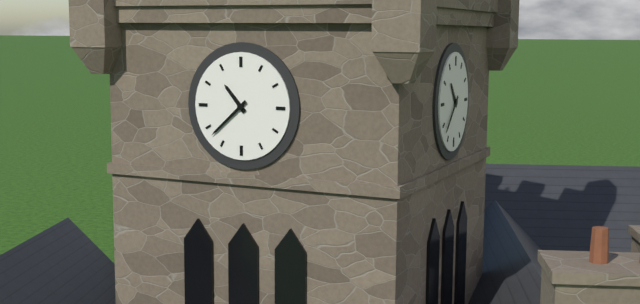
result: 10.38
